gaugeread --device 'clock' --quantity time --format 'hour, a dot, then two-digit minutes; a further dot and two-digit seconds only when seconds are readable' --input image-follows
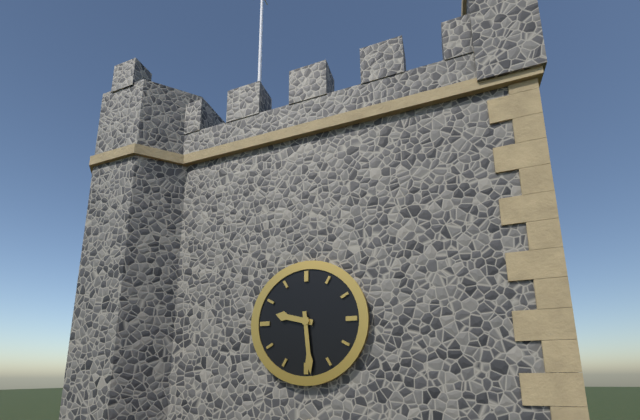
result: 9.29
